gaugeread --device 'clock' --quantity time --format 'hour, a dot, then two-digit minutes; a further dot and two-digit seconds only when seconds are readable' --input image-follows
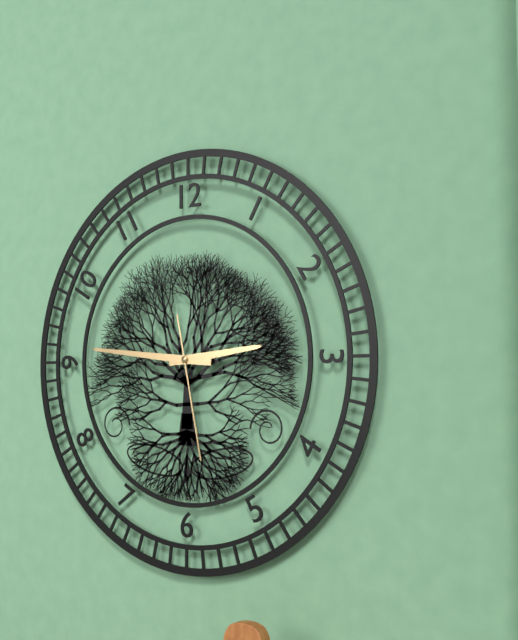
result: 2.46.28
